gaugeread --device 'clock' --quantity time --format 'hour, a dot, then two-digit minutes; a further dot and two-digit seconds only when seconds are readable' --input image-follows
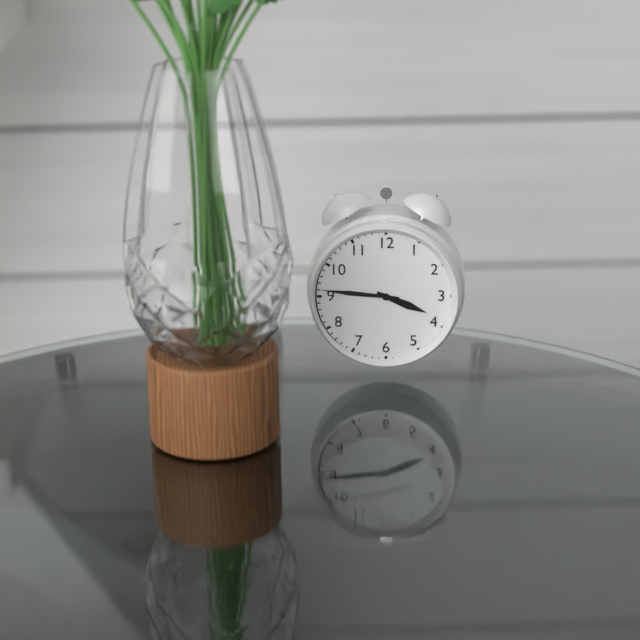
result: 3.46
